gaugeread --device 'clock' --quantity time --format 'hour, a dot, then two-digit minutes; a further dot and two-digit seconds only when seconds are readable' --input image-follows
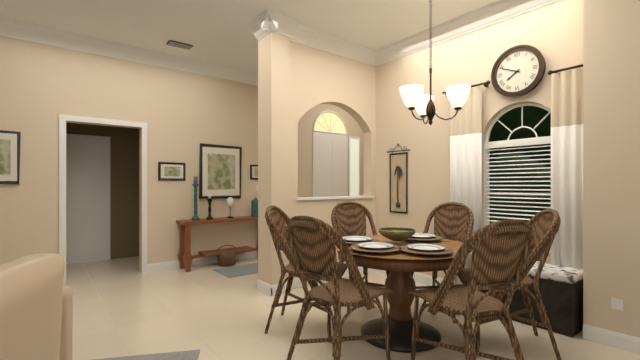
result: 7.49
